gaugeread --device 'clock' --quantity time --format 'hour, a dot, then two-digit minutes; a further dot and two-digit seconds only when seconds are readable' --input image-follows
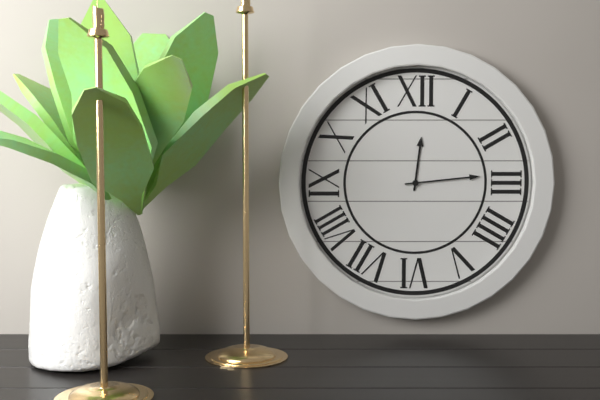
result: 12.14
